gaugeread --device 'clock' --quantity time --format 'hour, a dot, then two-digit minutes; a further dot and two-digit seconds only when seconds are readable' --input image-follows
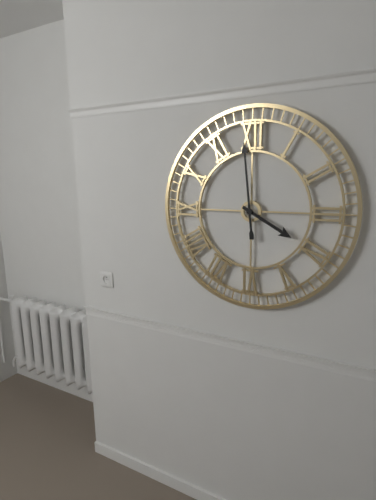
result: 3.59
